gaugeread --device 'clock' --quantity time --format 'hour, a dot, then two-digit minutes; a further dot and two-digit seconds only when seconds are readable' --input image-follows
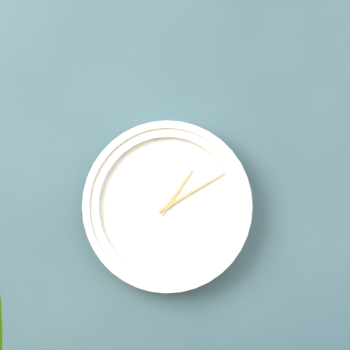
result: 1.10
